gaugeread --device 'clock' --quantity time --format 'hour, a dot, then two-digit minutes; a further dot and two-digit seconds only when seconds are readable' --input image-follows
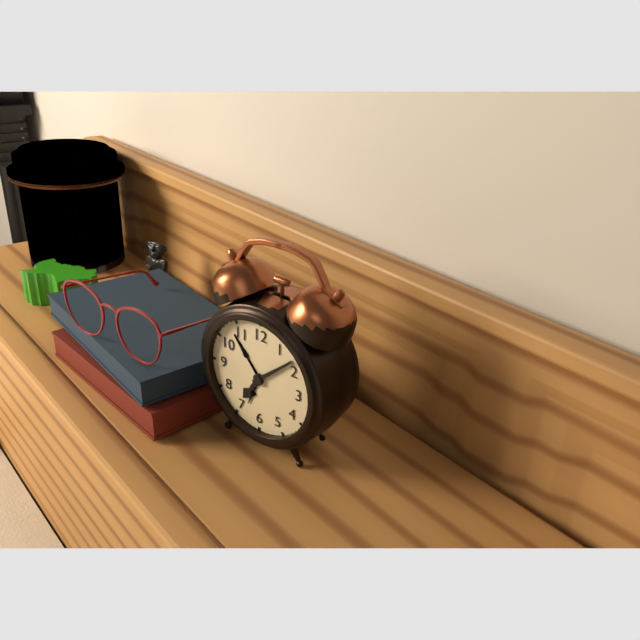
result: 7.08
